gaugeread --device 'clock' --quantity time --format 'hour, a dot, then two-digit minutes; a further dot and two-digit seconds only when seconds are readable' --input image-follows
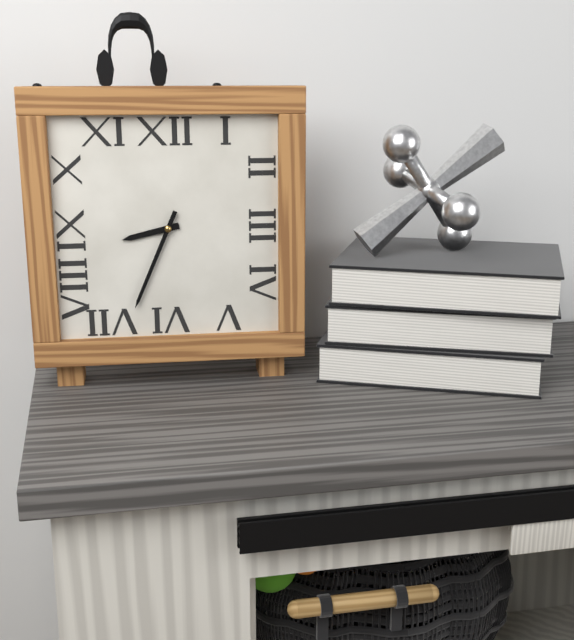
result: 8.34
